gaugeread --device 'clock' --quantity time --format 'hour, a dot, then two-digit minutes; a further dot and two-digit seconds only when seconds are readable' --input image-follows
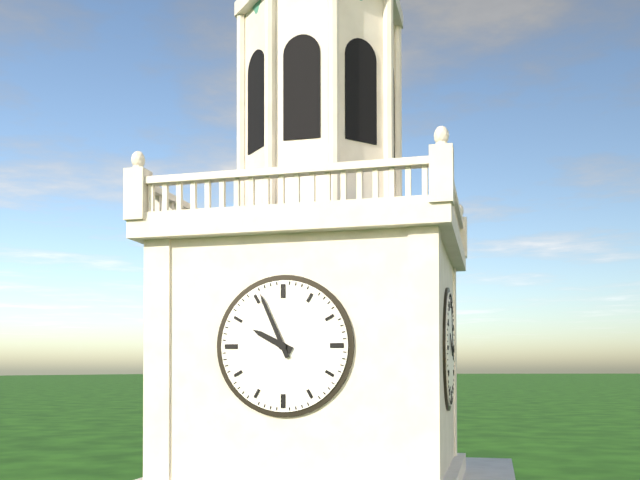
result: 9.56
